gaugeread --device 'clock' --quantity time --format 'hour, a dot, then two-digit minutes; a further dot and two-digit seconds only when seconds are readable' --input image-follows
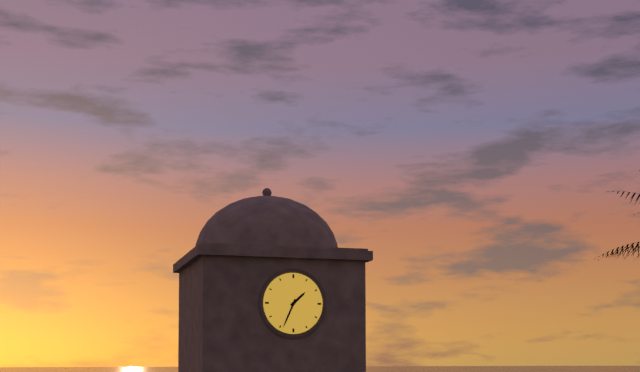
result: 1.34
